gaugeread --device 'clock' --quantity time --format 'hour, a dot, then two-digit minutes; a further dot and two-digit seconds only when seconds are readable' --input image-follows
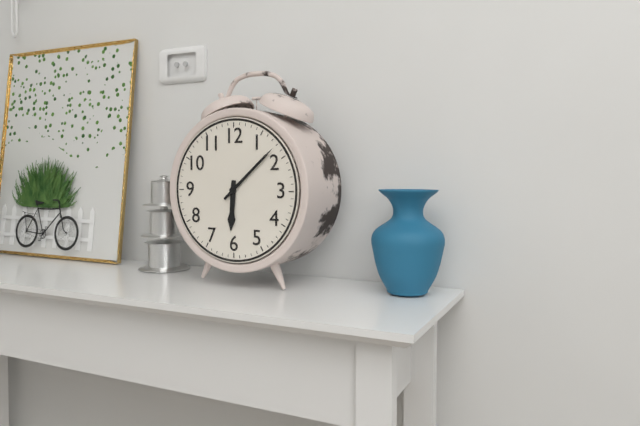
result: 6.08
